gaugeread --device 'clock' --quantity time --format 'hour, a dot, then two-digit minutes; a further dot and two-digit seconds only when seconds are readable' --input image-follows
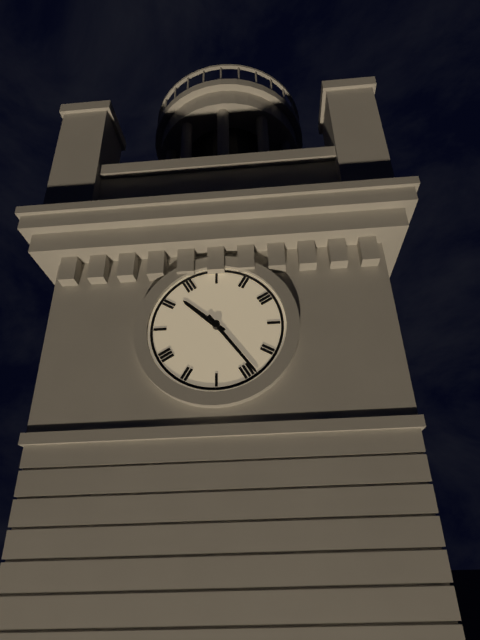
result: 10.24
